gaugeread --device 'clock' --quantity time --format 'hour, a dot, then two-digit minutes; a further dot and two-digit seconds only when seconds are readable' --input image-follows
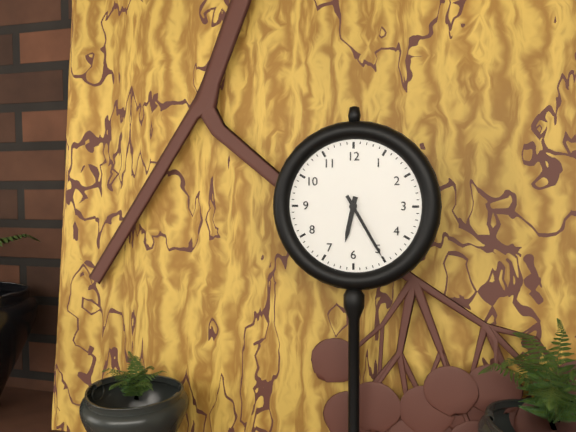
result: 6.25
